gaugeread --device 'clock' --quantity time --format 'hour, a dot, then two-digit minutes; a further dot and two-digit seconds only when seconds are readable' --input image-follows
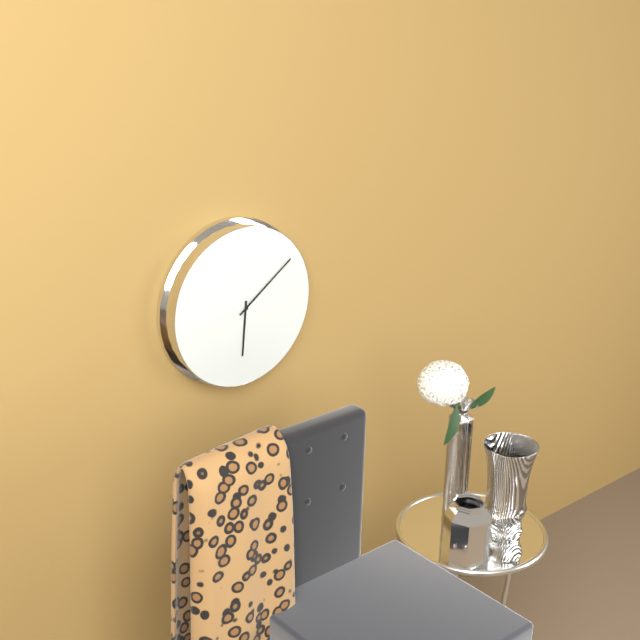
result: 6.09
